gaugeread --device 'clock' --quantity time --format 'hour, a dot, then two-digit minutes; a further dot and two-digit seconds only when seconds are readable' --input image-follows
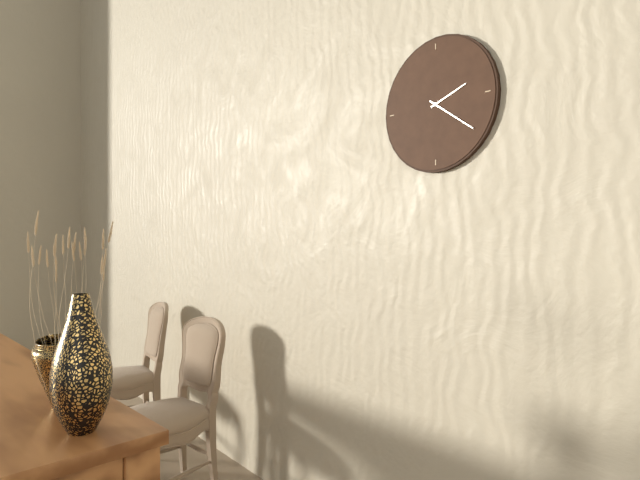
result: 2.21
